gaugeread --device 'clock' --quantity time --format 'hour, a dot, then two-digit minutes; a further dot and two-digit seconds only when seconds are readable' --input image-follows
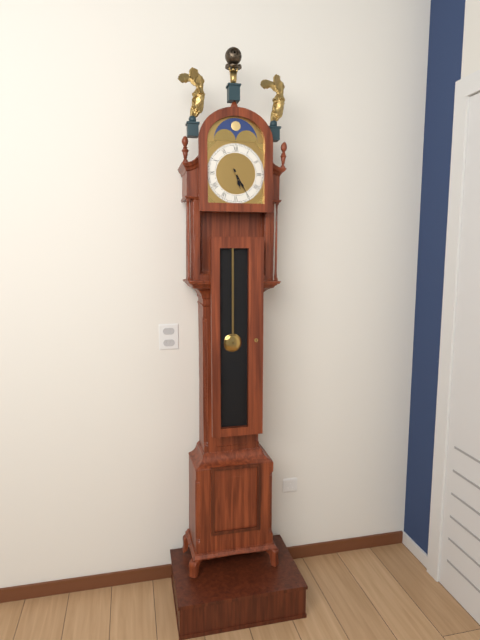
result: 5.25
